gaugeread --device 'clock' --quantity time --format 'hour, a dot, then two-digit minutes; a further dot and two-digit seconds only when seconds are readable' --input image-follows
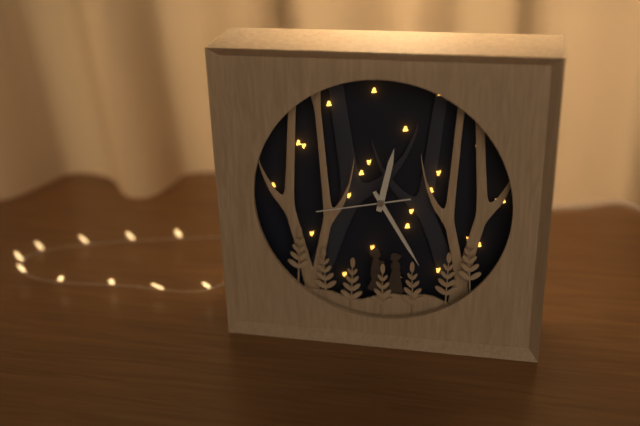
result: 12.25.43
